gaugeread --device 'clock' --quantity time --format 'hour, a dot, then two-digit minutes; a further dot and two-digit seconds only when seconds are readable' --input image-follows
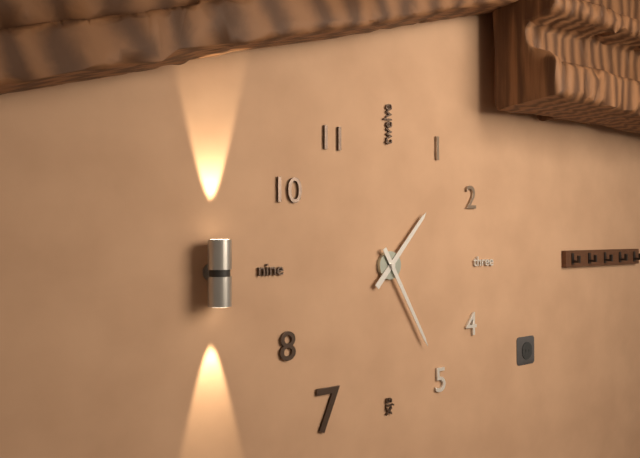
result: 1.25
